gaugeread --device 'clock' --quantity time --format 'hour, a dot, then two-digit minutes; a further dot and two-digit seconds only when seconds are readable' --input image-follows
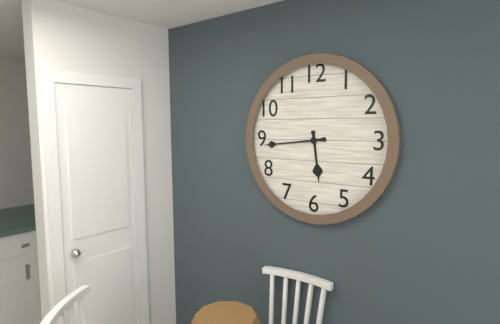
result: 5.44
